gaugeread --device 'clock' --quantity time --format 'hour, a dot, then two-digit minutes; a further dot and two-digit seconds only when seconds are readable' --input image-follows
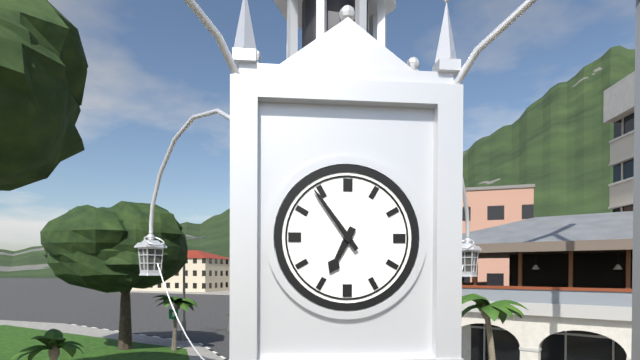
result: 6.54
